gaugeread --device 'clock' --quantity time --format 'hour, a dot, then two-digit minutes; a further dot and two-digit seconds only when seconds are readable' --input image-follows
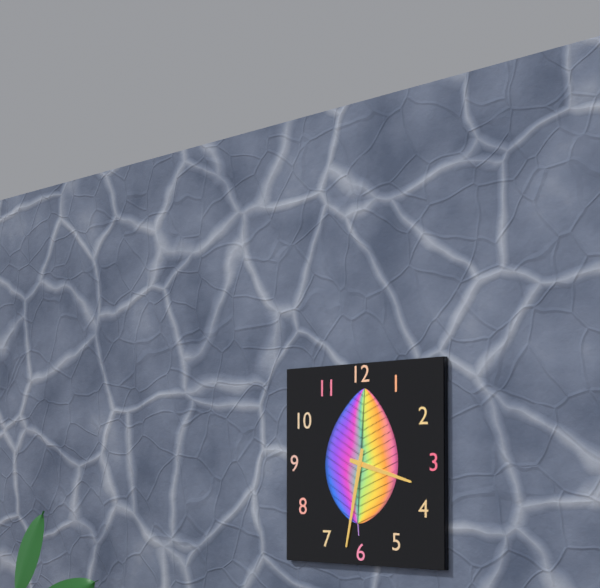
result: 3.32
